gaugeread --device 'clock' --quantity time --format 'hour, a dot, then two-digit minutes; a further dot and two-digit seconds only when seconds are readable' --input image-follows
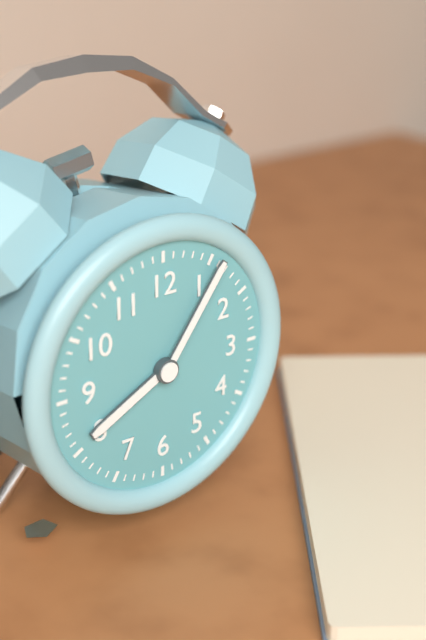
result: 8.06
